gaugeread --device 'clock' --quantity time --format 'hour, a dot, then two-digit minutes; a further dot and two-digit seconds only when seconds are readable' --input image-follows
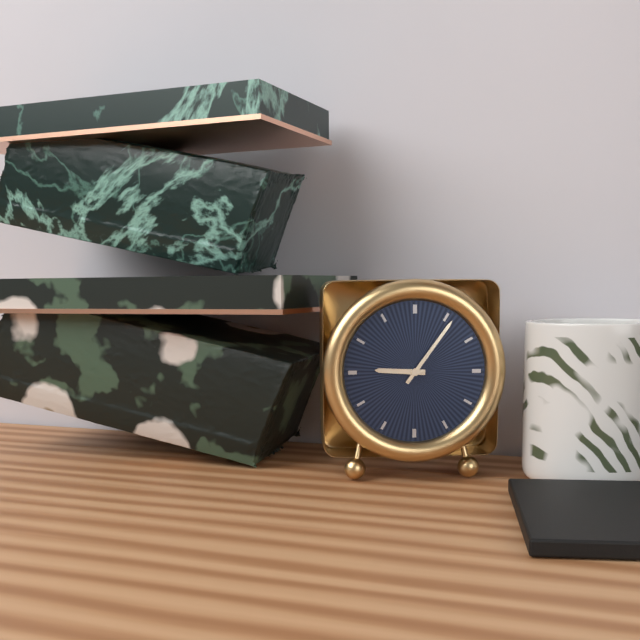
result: 9.06
